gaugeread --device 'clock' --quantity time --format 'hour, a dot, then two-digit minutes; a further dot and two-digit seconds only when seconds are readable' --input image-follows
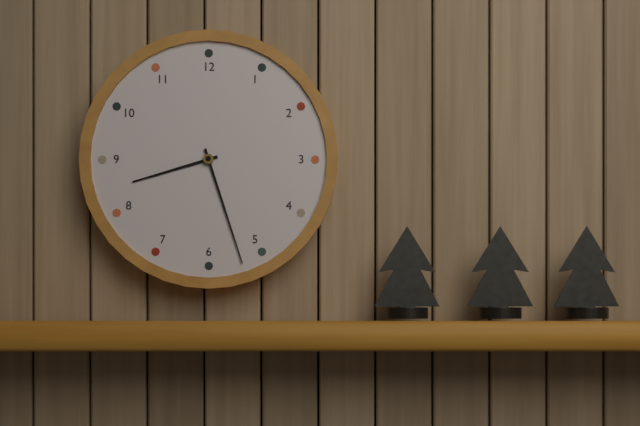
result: 8.27
